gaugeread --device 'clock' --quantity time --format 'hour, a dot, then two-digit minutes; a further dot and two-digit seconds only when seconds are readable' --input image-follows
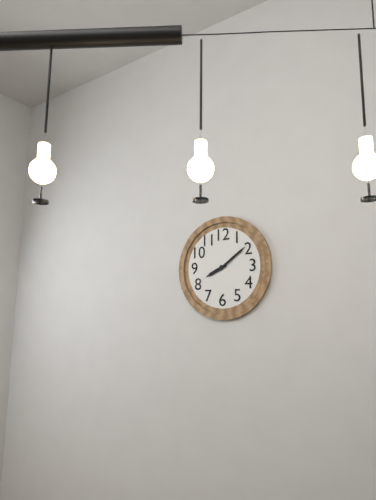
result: 8.09
